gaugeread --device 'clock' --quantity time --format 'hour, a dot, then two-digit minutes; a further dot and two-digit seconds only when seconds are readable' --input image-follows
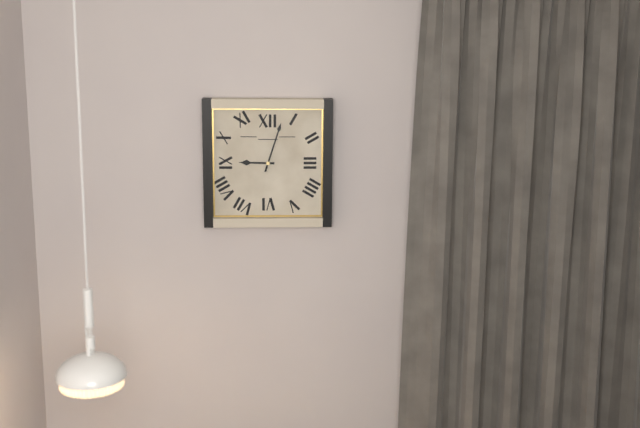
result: 9.03
